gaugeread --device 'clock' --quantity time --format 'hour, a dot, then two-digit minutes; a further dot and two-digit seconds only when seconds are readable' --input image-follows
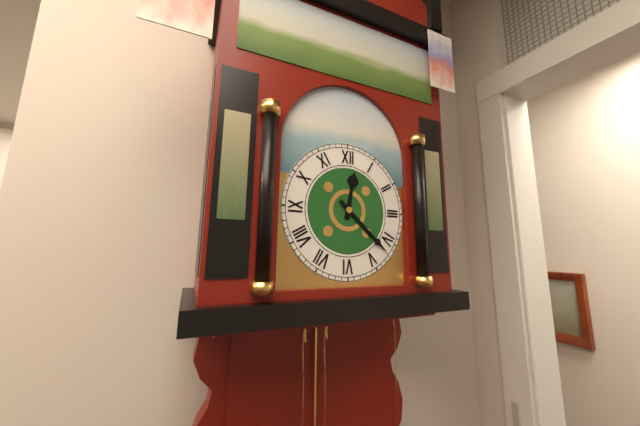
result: 12.22
